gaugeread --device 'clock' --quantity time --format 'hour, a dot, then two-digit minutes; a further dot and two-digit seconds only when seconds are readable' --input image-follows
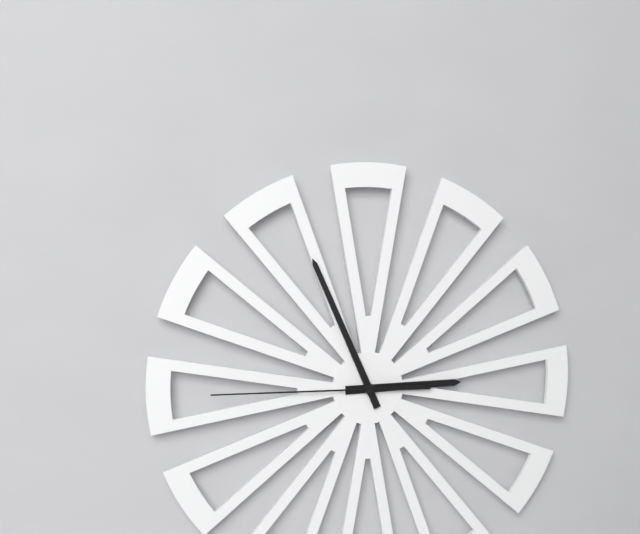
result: 2.56.45
